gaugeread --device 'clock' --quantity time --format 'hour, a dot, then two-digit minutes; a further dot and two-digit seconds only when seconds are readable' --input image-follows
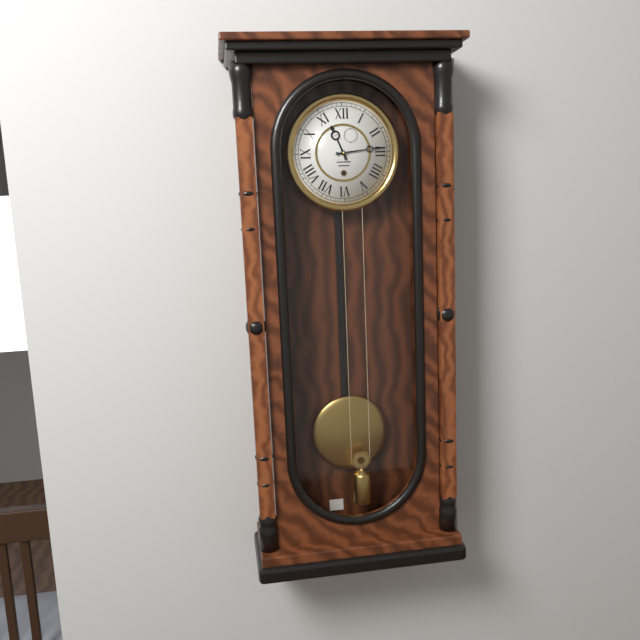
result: 11.14
